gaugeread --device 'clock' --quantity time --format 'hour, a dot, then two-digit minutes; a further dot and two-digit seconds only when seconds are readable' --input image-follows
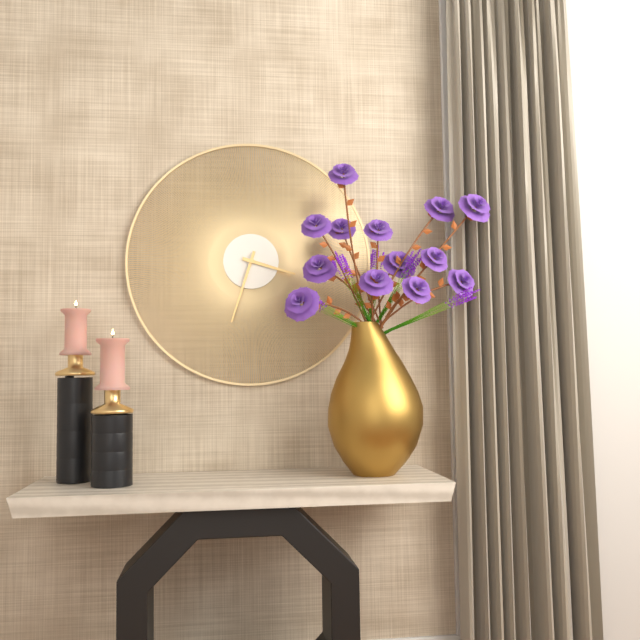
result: 3.33
